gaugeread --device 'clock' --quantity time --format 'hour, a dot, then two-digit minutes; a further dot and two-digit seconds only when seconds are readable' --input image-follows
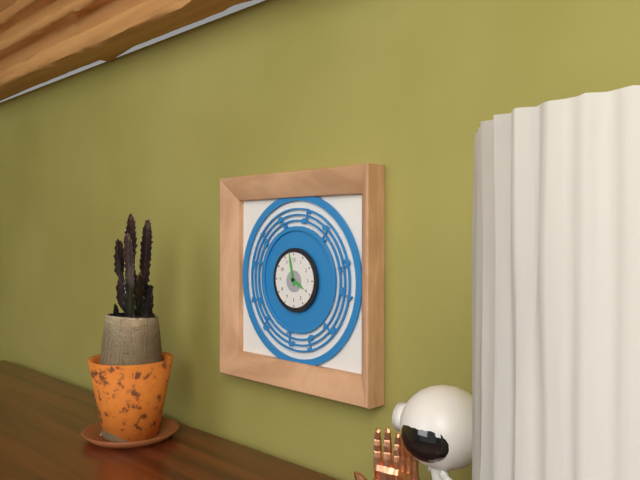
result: 3.58
